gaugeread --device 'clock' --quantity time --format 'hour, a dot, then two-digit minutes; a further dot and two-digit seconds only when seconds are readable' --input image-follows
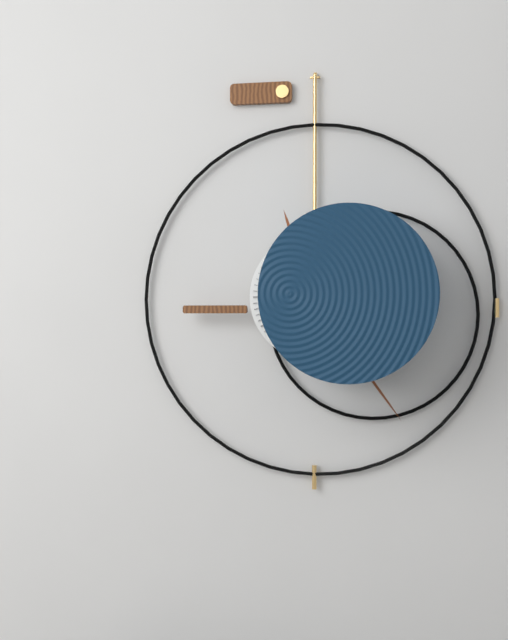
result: 11.24
